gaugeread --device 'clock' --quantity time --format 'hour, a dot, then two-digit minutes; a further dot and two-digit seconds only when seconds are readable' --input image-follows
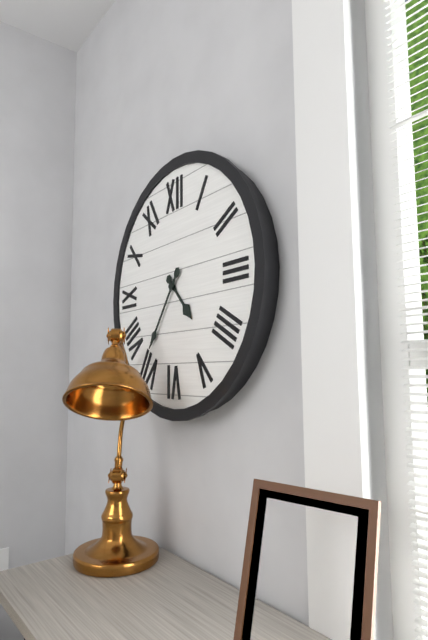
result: 4.36
